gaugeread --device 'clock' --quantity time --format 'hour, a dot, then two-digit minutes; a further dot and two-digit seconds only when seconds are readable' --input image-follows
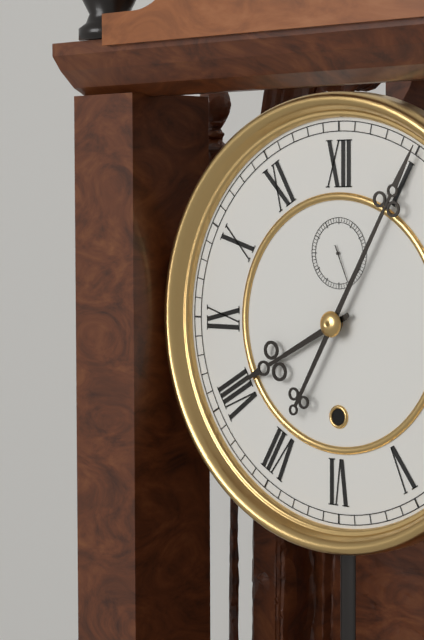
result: 8.05
